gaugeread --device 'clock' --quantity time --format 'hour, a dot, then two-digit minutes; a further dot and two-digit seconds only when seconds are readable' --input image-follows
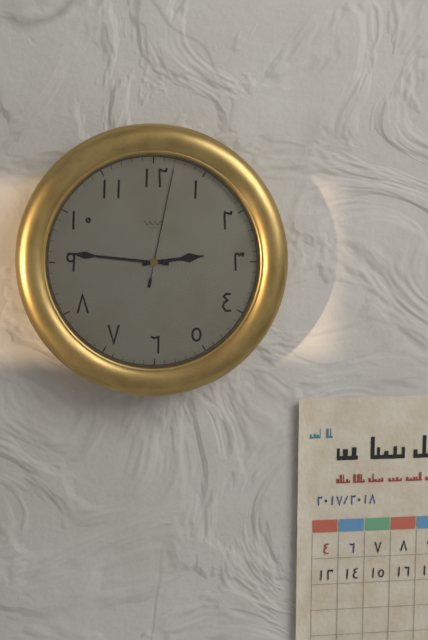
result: 2.46.02
